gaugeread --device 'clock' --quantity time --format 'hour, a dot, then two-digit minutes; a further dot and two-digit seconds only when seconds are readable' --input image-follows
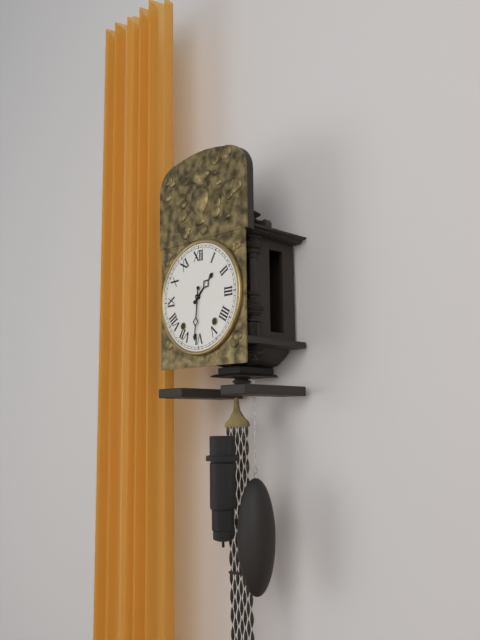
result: 1.31
